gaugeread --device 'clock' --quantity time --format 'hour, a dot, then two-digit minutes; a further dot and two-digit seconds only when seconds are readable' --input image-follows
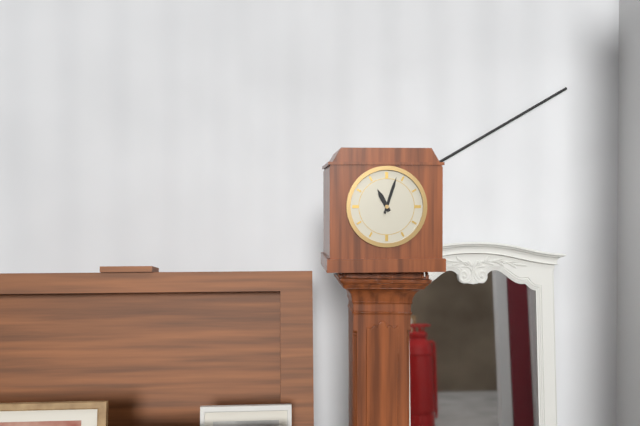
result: 11.03
